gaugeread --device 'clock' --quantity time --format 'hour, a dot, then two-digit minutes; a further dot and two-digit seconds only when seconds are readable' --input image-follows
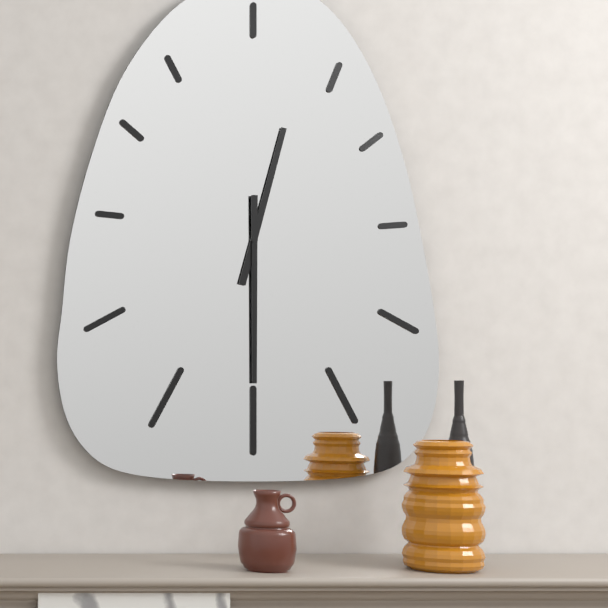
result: 12.30
